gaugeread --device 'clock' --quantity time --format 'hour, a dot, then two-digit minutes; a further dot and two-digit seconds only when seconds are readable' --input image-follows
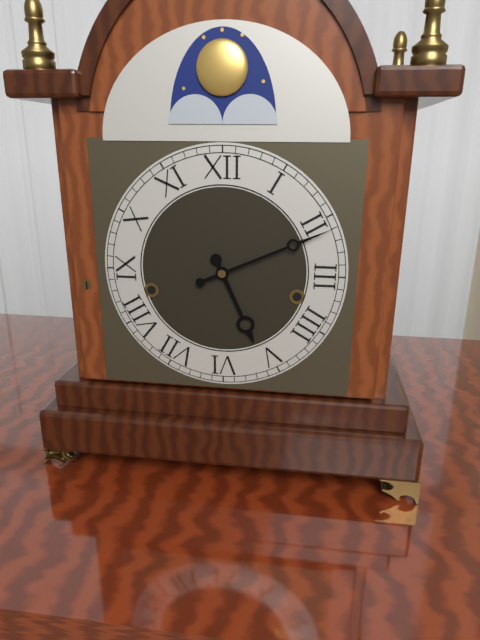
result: 5.11
